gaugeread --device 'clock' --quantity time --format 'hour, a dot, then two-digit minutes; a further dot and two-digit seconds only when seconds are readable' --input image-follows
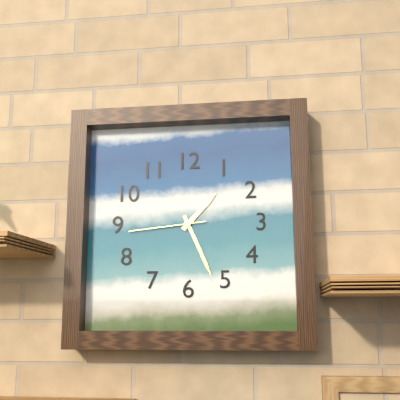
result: 1.26.44
